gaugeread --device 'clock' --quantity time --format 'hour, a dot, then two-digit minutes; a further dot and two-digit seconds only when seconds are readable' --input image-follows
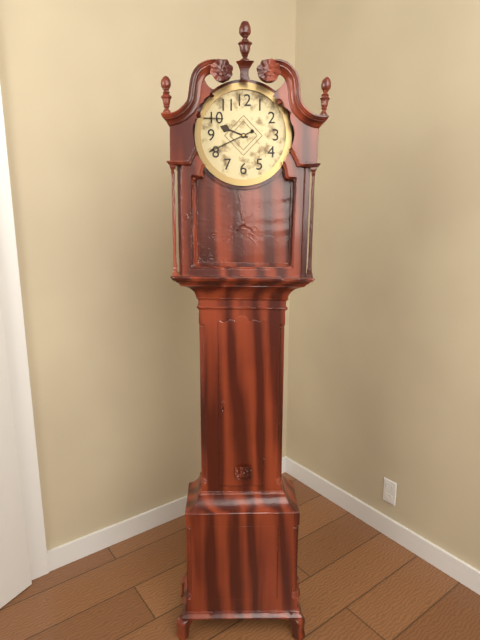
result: 9.41
